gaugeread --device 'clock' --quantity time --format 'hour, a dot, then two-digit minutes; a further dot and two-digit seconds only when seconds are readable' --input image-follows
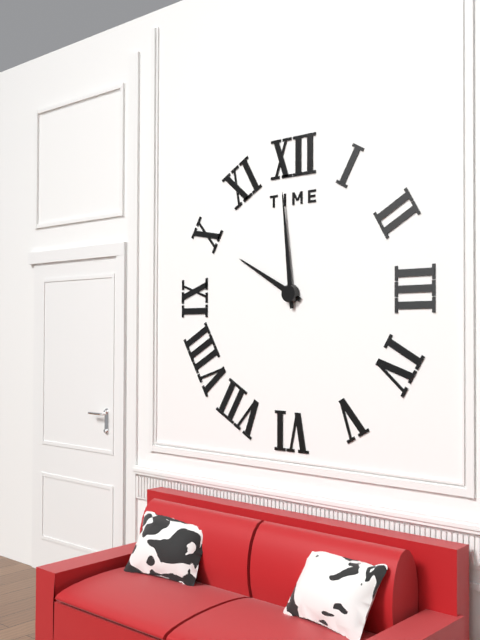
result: 9.59
